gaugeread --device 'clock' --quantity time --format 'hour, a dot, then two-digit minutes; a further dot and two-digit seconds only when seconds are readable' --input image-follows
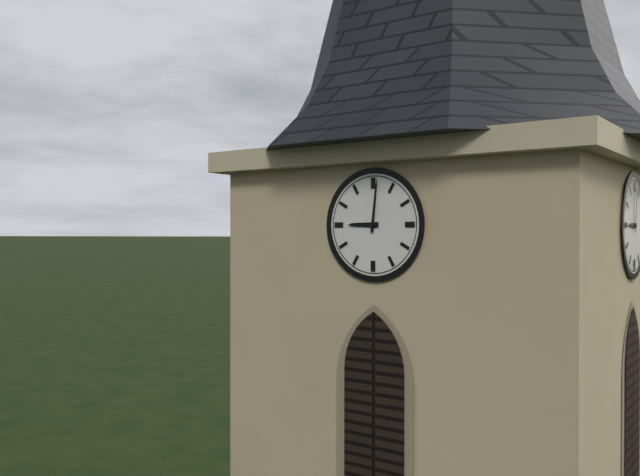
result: 9.01
